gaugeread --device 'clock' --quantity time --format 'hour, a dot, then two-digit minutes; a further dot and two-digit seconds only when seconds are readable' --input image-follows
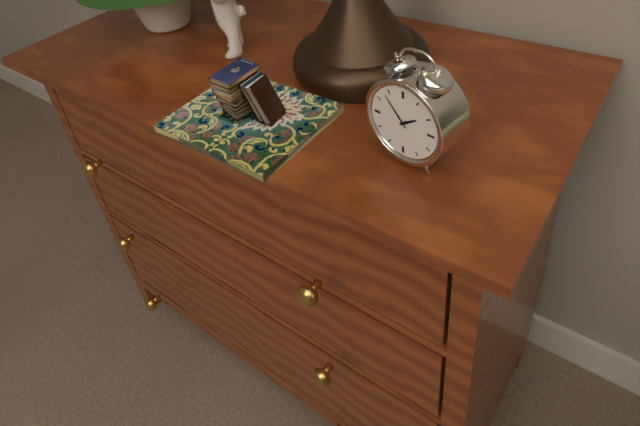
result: 1.53
